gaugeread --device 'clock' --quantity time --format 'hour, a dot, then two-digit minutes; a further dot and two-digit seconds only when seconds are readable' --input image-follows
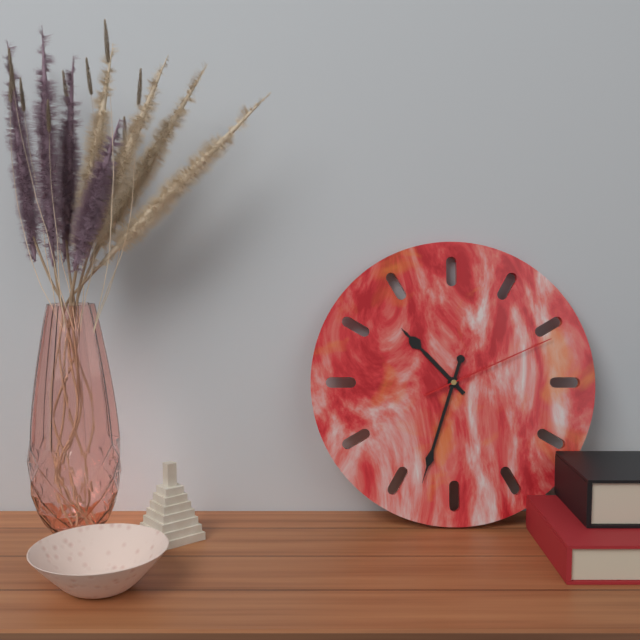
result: 10.33.11
